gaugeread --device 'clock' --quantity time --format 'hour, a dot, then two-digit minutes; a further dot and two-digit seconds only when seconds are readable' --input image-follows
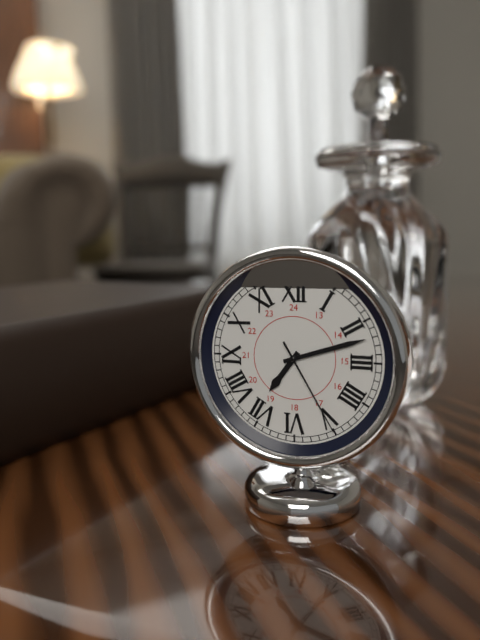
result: 7.12.25
